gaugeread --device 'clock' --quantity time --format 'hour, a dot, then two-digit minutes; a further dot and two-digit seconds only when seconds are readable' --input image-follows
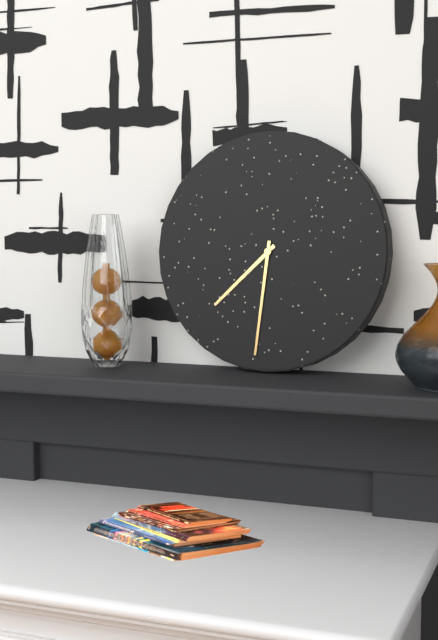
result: 7.31
